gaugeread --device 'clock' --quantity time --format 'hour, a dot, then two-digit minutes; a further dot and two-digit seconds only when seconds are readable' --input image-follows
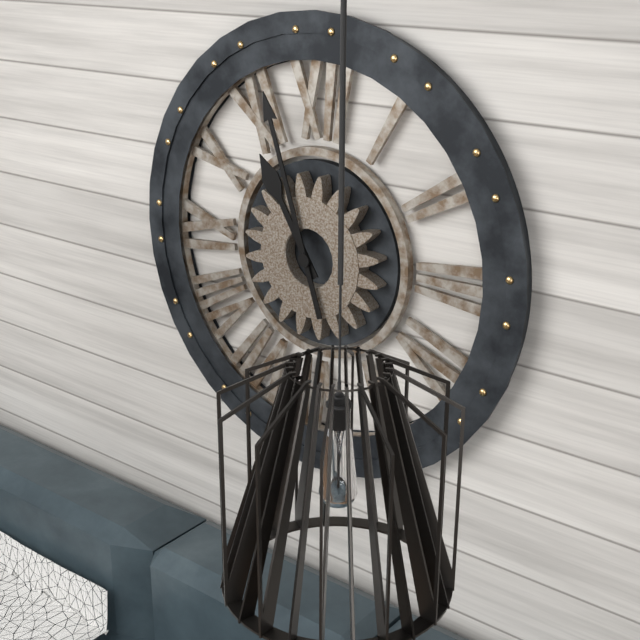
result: 10.57
